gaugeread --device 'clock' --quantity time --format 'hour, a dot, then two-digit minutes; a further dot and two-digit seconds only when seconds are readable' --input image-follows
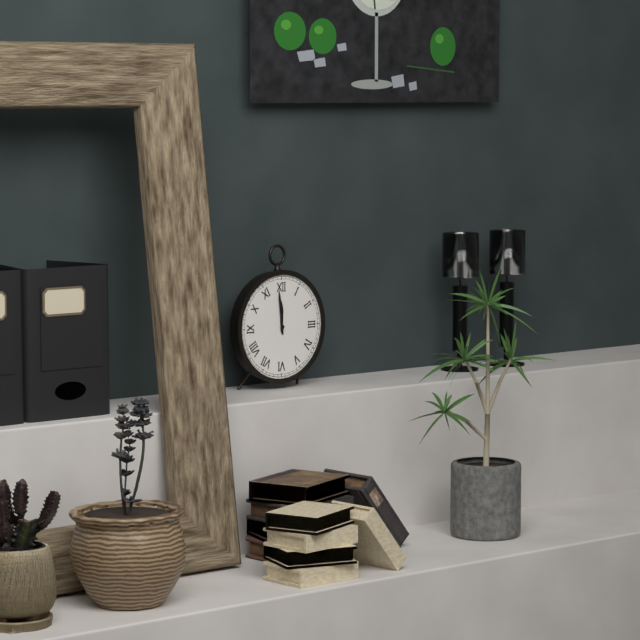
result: 11.59
